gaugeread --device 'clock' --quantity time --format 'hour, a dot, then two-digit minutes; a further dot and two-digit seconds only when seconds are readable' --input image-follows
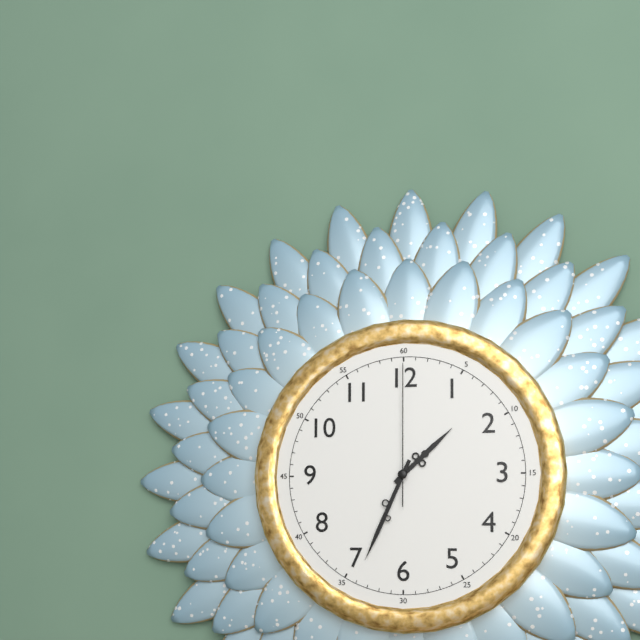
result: 1.34.00
